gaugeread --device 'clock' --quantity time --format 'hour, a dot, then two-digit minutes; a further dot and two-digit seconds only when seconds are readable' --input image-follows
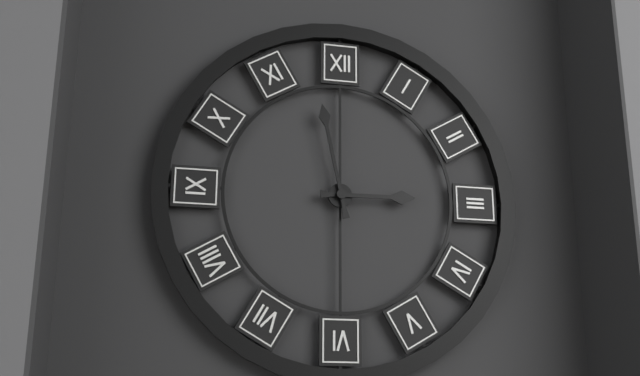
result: 2.58
